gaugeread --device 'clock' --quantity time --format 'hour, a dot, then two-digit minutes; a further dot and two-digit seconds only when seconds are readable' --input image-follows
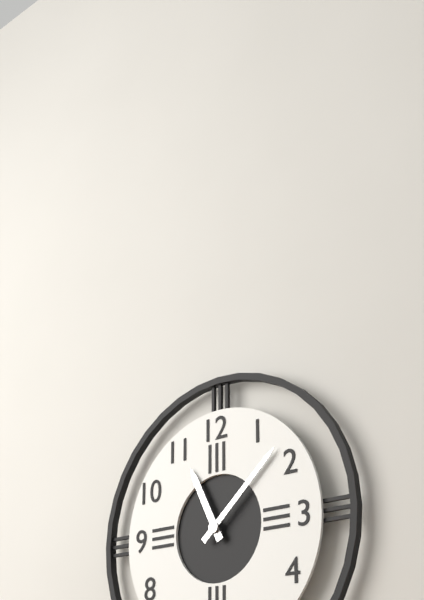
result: 11.08
